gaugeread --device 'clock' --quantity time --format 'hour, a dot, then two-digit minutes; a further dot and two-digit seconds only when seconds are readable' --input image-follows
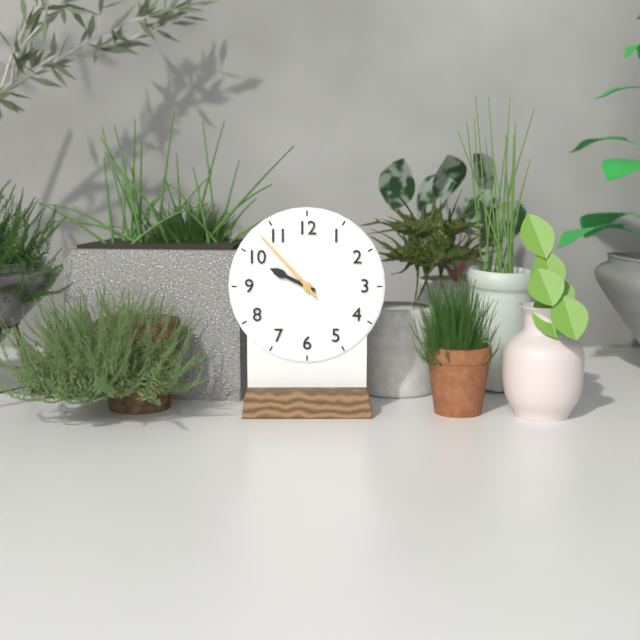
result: 9.53
